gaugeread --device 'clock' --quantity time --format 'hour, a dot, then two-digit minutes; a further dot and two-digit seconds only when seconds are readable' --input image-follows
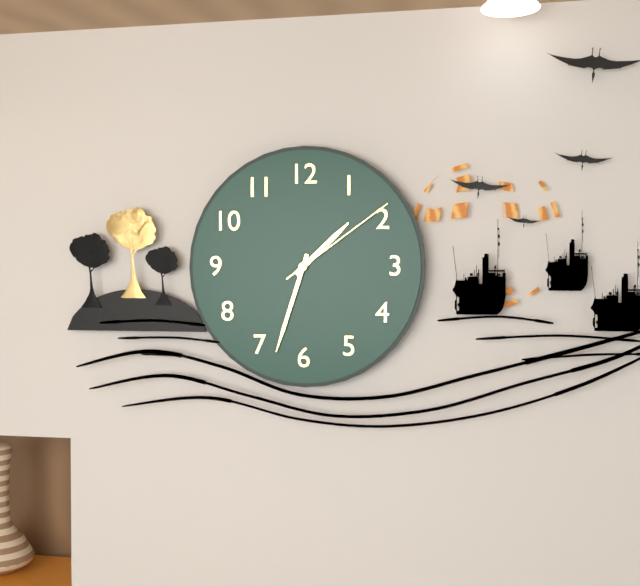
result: 1.33.09
